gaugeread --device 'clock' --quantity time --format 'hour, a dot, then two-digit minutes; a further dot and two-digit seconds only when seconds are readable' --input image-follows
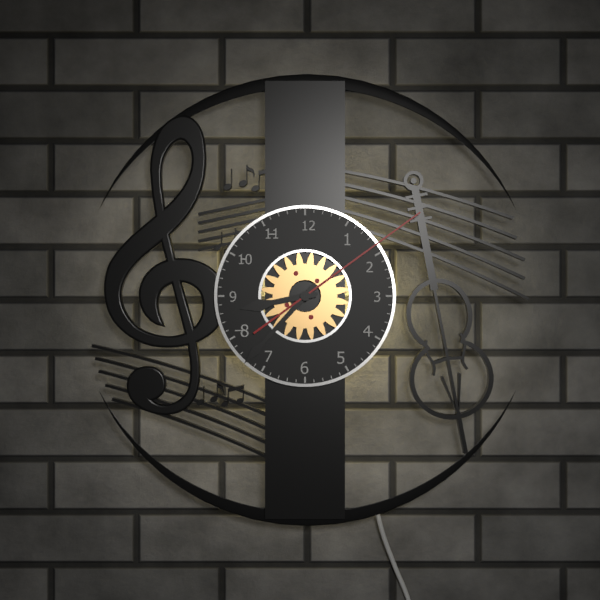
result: 8.37.09
